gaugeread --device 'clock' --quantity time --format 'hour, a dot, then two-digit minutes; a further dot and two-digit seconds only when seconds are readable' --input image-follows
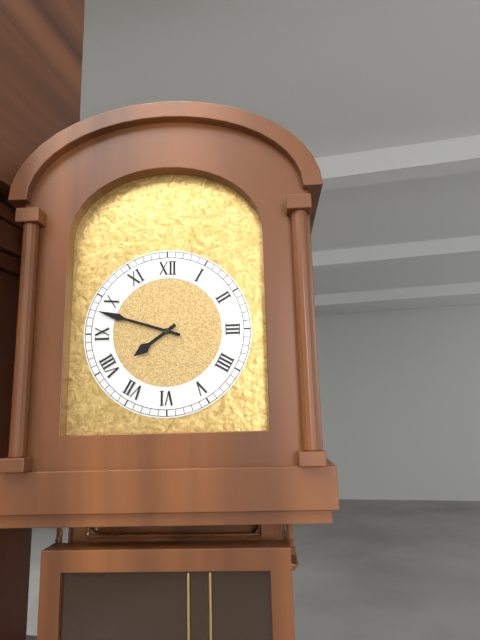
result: 7.48
